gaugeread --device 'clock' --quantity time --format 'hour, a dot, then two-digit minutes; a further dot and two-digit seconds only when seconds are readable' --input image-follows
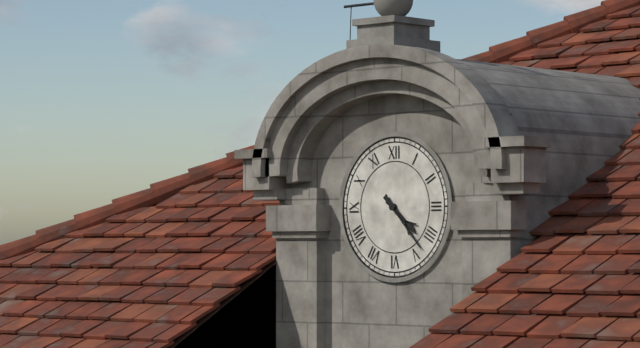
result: 4.23
